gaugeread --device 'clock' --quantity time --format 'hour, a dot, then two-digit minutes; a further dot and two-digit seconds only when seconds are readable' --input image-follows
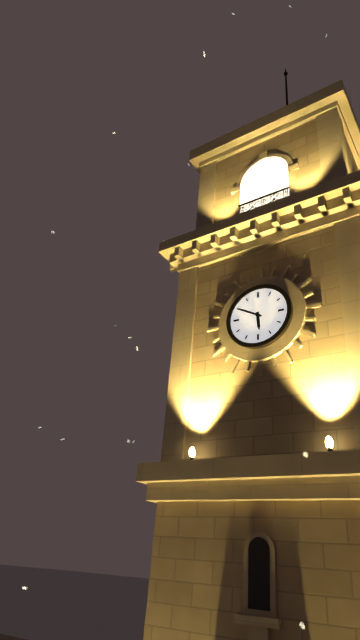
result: 5.50
